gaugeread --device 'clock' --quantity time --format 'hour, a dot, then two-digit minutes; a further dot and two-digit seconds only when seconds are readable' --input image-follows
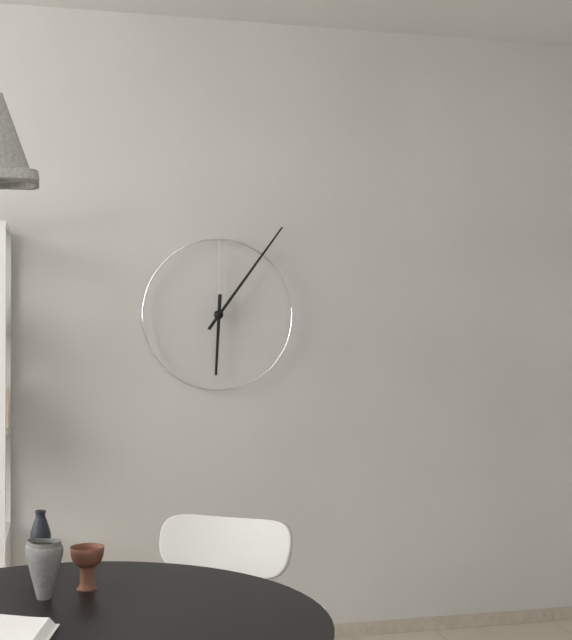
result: 6.06
